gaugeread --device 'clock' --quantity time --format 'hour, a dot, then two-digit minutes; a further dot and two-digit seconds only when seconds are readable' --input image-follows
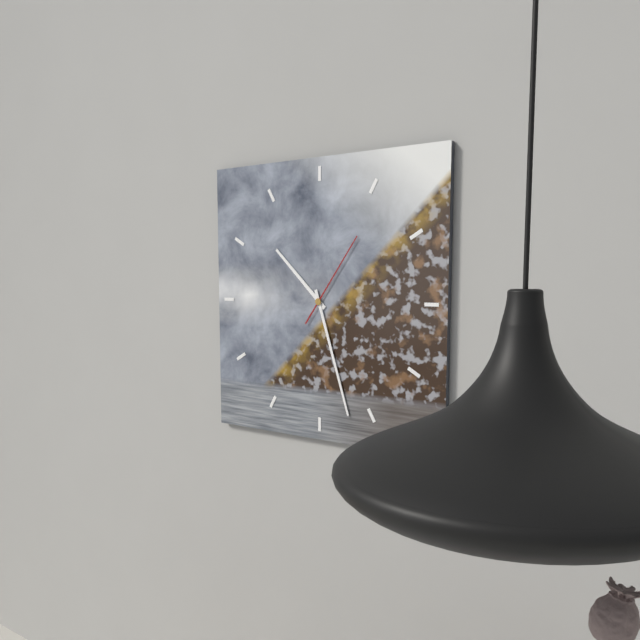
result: 10.27.06
